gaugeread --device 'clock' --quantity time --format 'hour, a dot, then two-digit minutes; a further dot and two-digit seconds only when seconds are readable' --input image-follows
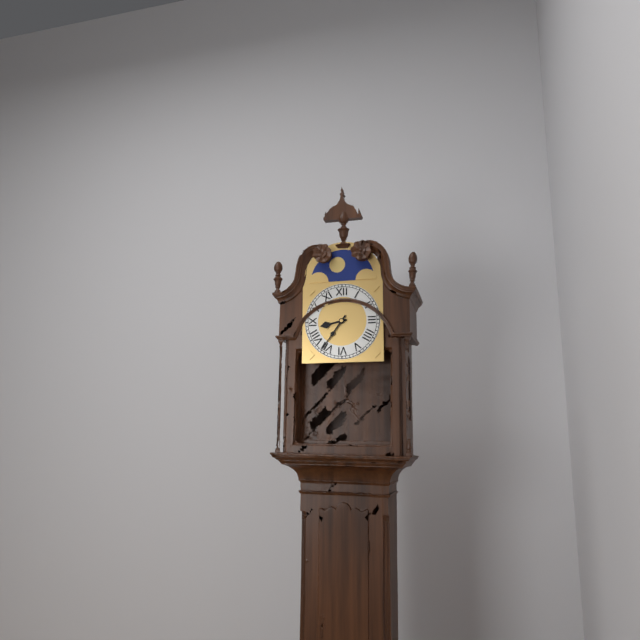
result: 8.36
